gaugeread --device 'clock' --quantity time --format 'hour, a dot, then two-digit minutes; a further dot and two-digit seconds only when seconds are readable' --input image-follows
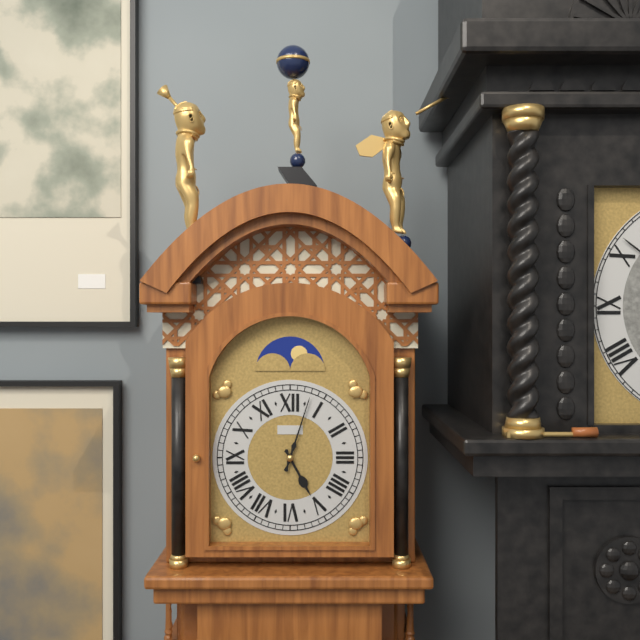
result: 5.03
